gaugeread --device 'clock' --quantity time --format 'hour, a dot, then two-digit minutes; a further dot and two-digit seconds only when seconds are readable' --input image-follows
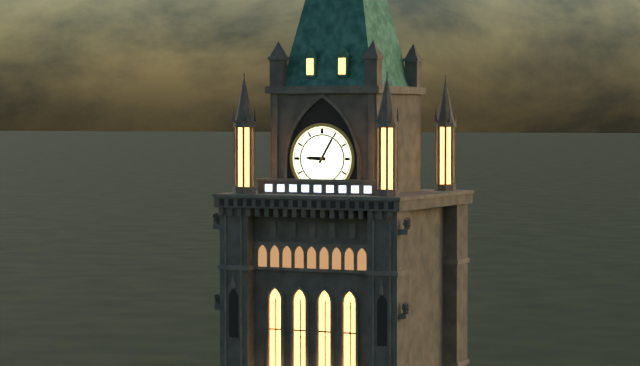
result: 9.05
